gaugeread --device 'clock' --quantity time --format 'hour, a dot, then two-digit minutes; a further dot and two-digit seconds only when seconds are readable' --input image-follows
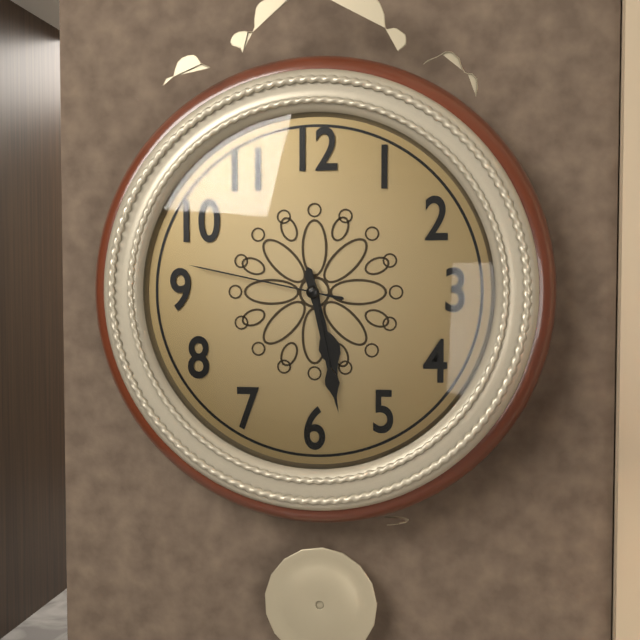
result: 5.28.47
